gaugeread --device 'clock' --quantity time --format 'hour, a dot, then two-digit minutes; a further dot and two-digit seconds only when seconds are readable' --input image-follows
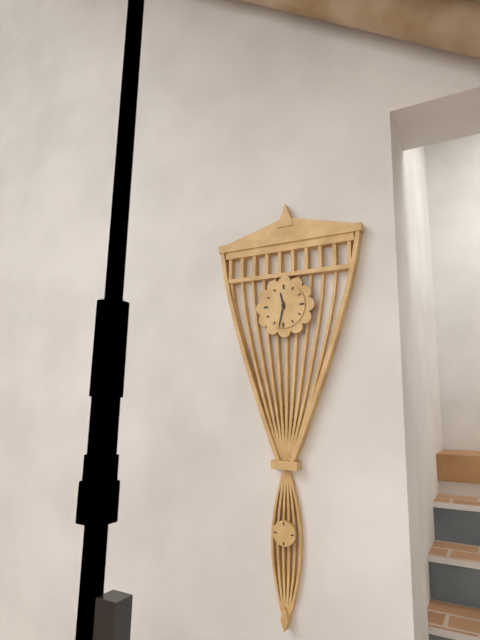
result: 11.32
